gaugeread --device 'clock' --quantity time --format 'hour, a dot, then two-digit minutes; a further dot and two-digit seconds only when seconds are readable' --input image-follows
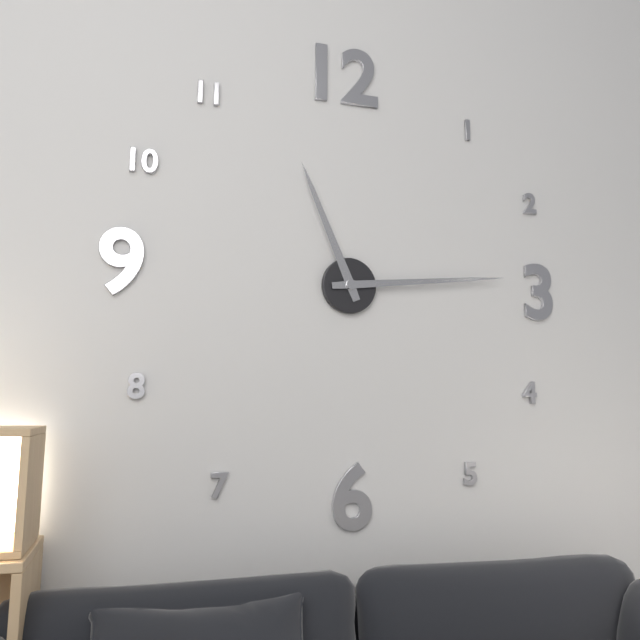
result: 11.14
